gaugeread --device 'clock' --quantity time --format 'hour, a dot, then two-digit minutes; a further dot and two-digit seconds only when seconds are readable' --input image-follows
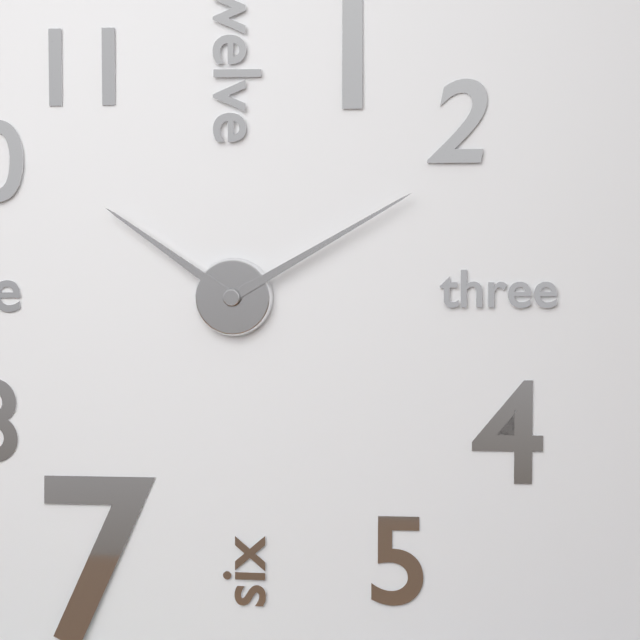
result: 10.10
